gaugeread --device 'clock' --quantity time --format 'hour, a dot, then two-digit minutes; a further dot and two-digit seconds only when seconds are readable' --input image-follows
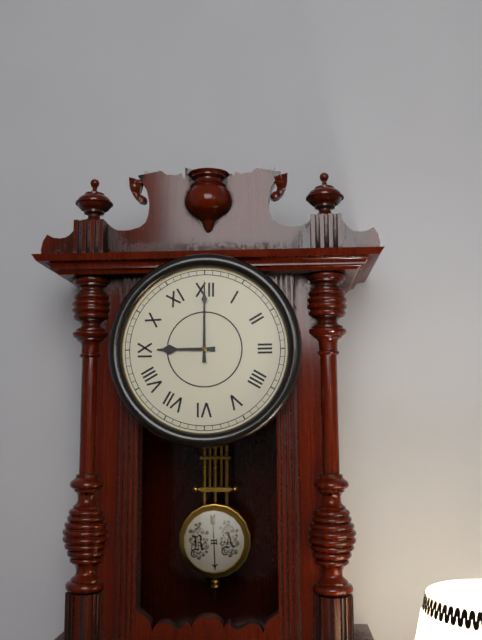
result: 9.00
